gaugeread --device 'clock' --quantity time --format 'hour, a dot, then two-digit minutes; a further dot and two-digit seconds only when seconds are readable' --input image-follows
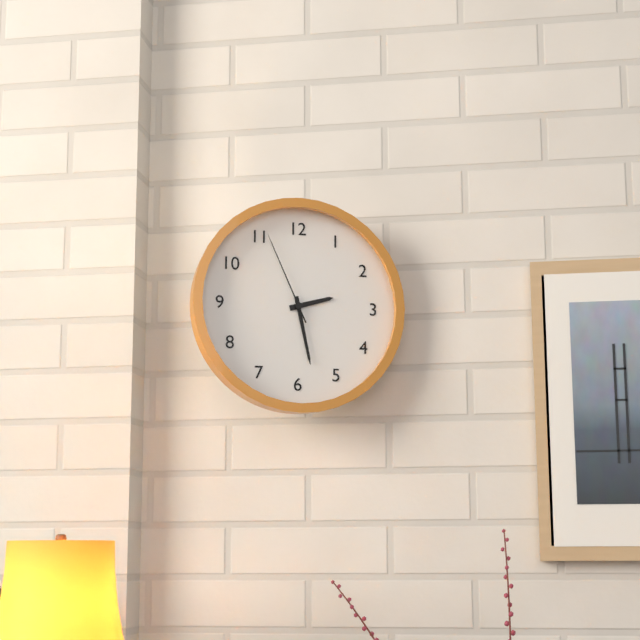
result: 2.28.56
